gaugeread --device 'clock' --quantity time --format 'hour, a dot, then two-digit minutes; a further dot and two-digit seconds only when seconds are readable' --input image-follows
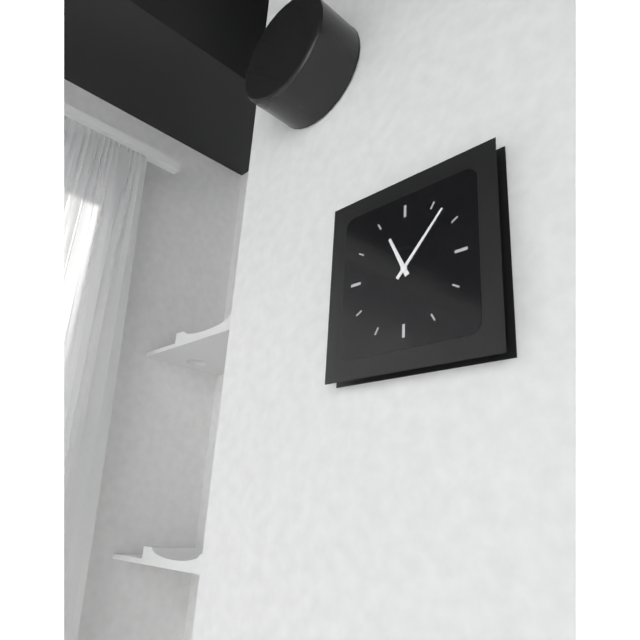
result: 11.07
